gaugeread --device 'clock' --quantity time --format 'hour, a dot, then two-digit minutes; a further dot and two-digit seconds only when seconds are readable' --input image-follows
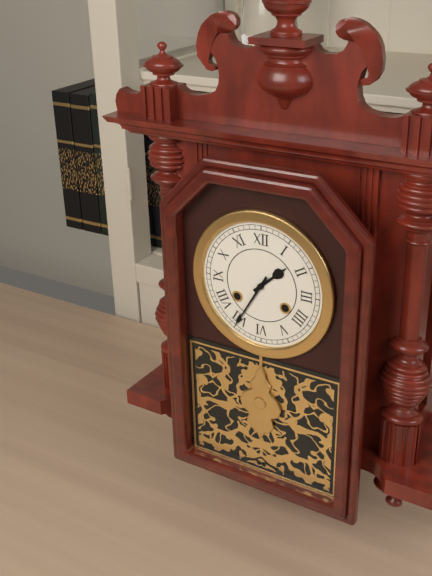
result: 1.35
